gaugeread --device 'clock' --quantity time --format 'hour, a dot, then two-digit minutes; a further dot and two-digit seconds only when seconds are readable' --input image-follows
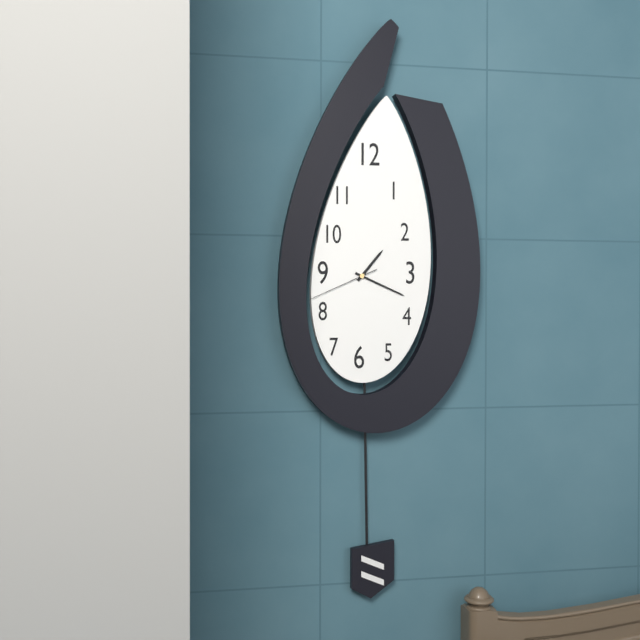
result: 1.19.41
